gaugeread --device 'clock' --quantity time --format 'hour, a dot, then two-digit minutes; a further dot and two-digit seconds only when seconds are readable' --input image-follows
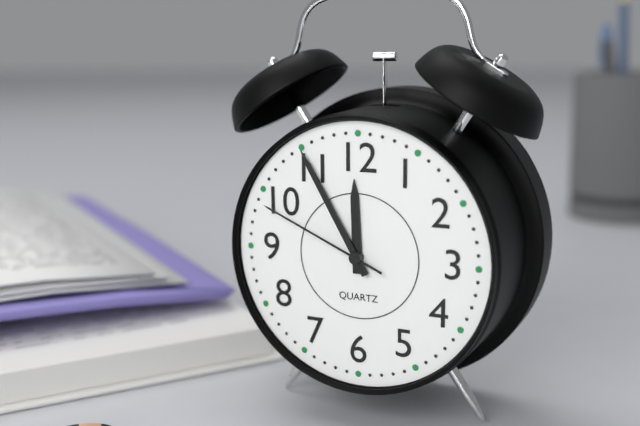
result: 11.55.49
